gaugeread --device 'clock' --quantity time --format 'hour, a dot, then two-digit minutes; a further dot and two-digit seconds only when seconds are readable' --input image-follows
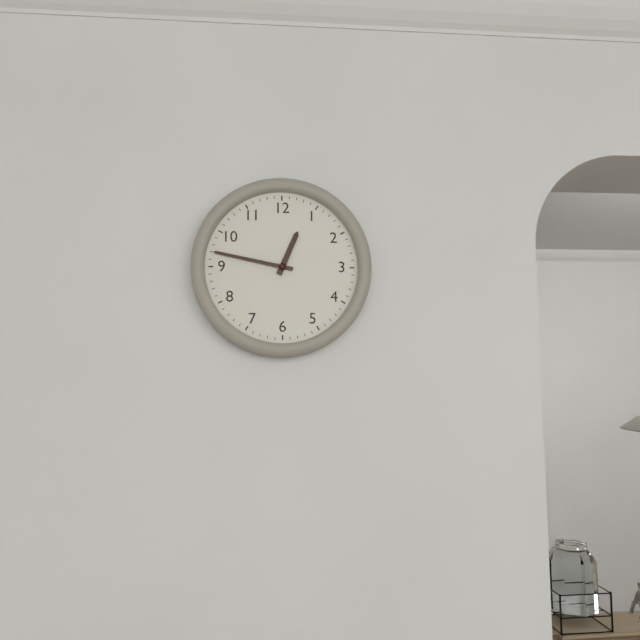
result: 12.47
